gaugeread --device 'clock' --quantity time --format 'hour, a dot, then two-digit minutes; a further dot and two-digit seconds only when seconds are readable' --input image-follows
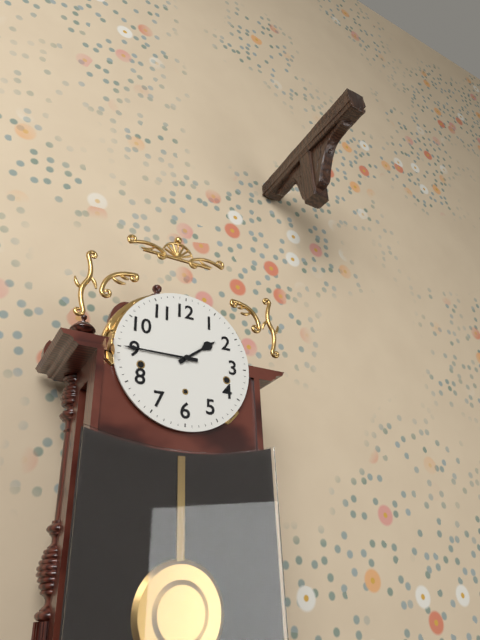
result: 1.45
